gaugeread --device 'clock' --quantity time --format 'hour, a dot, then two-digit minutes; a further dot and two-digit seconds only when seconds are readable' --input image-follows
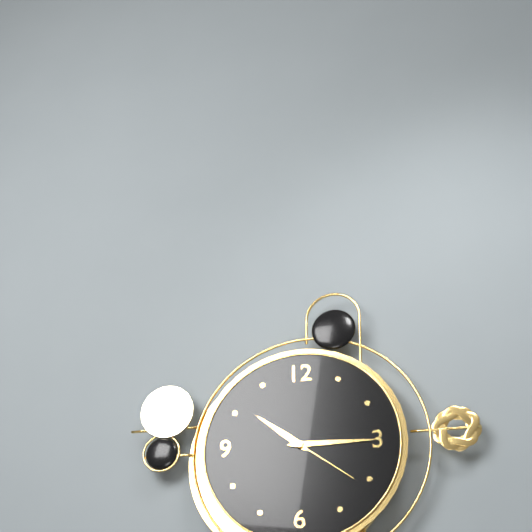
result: 10.15.21
